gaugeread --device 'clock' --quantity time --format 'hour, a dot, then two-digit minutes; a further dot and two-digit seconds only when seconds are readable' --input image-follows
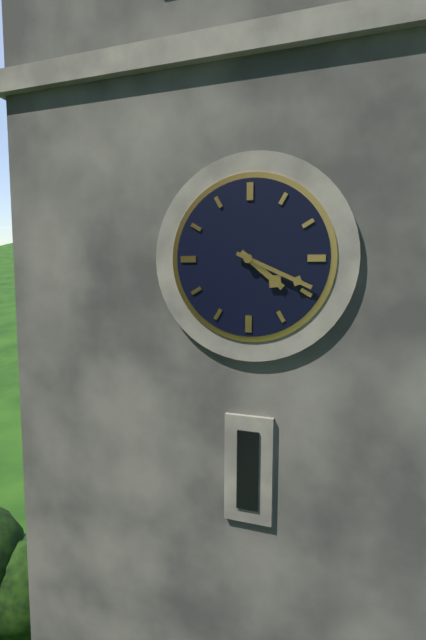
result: 4.19
